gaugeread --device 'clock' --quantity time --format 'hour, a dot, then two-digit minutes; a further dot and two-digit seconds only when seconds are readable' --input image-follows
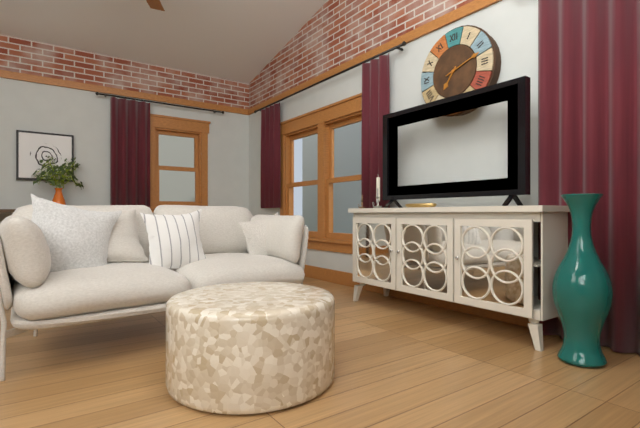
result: 7.12
